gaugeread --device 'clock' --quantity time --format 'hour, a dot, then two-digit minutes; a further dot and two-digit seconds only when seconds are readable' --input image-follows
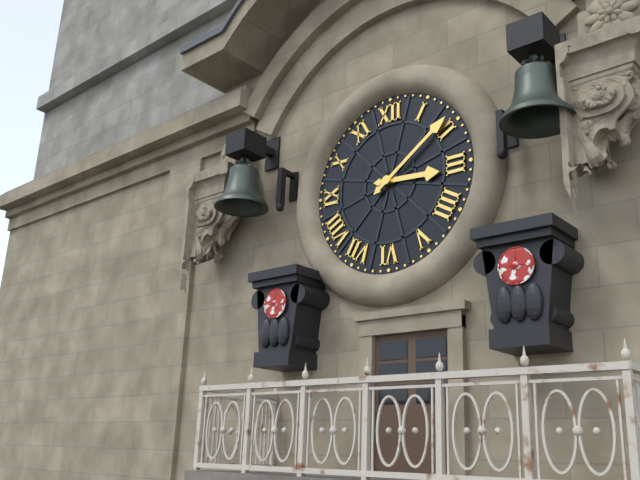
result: 3.09
